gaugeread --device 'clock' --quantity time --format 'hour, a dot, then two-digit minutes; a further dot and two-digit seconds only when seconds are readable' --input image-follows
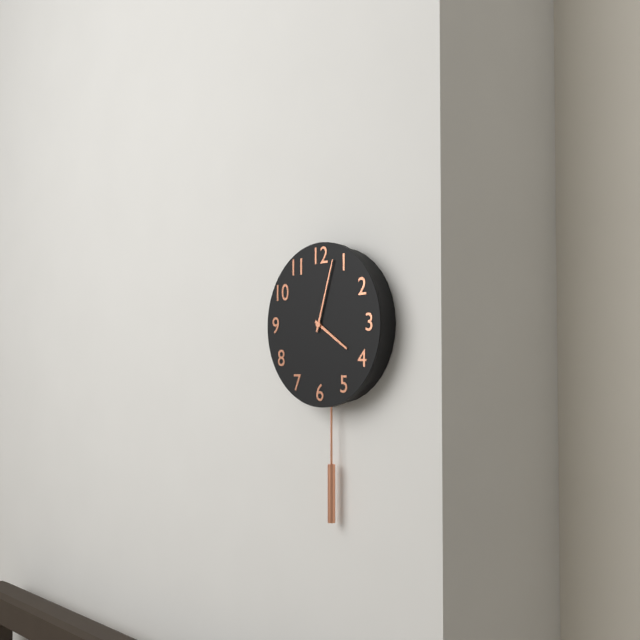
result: 4.03
